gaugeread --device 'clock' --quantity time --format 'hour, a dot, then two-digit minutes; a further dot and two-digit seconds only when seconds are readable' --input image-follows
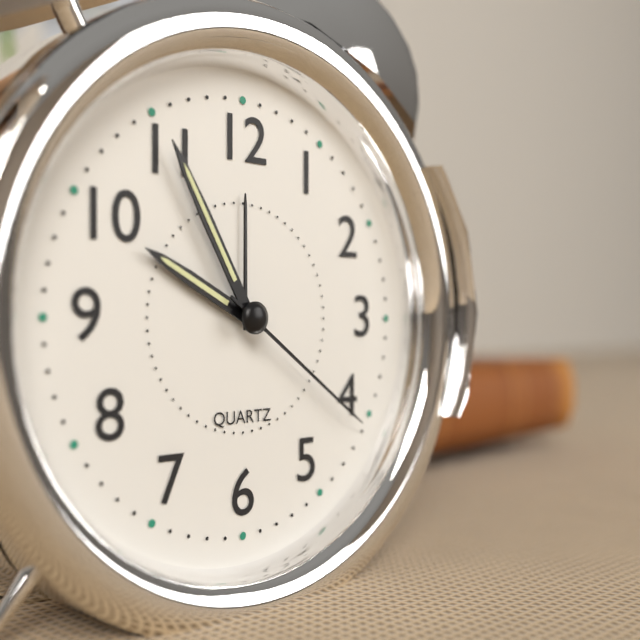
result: 9.55.21
